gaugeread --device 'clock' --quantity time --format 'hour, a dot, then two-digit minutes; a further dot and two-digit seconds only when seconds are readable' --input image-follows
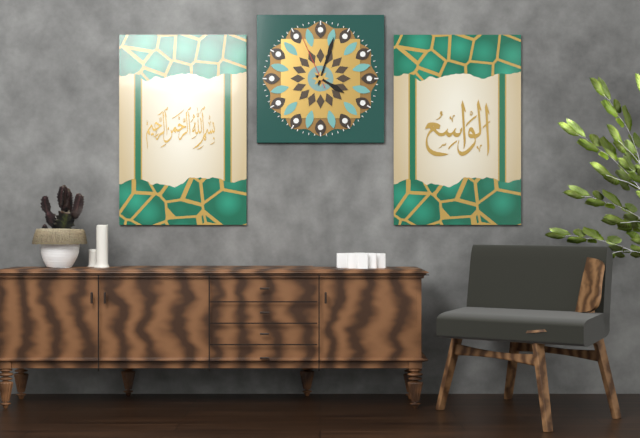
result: 4.03.56
